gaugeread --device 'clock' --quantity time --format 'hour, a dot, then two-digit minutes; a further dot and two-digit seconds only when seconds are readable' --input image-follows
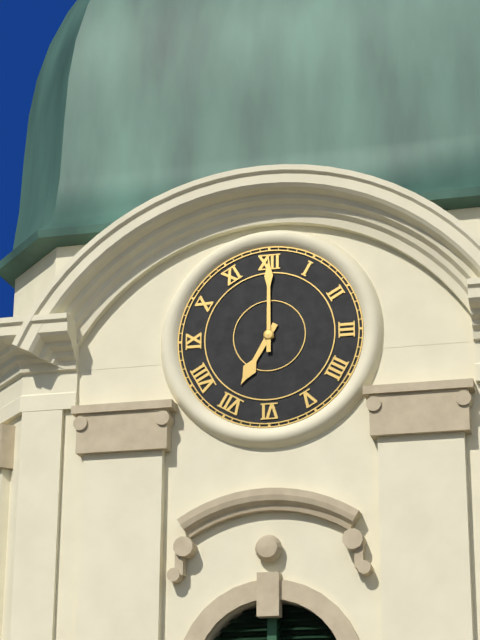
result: 7.00
